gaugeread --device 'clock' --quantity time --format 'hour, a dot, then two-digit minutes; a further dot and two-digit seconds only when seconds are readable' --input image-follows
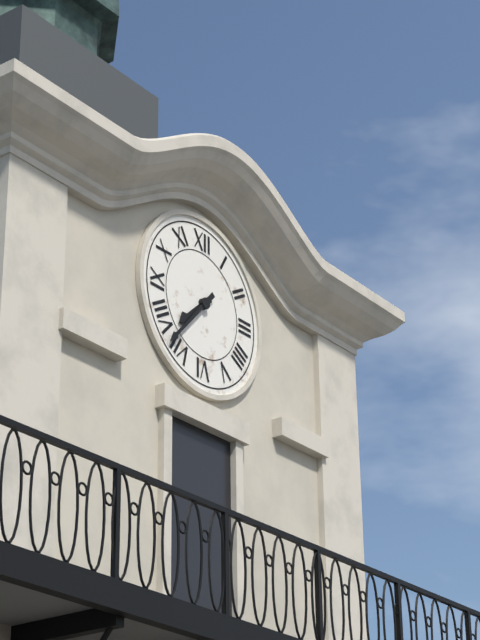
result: 7.37
